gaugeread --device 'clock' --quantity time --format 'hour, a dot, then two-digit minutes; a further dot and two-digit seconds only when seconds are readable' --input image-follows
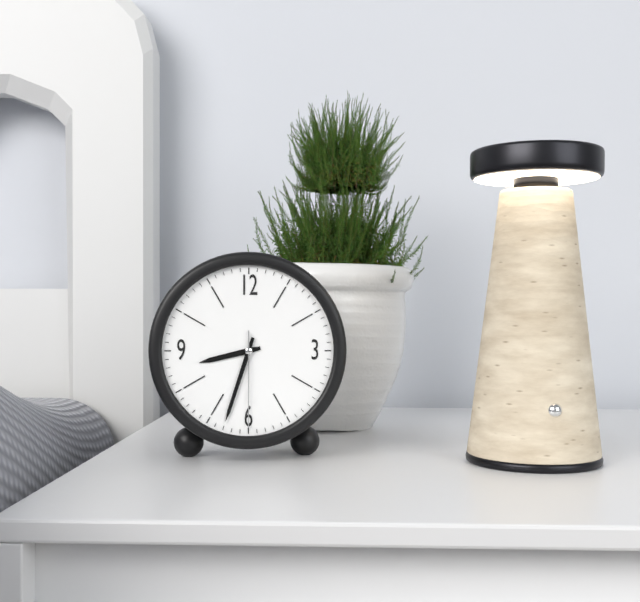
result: 8.33.30
